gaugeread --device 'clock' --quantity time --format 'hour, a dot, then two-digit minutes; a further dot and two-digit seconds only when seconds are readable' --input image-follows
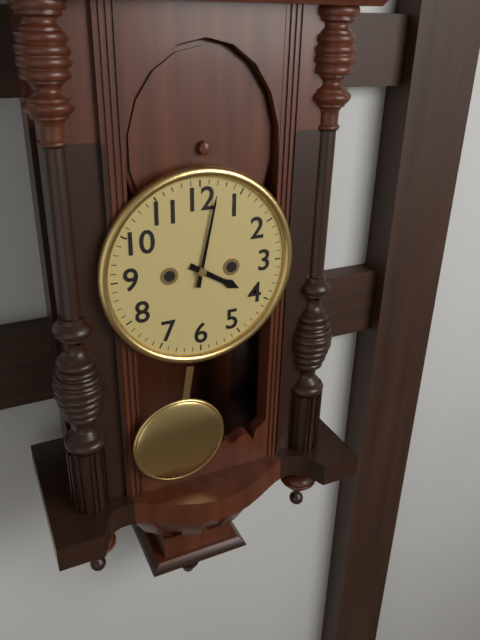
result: 4.02
